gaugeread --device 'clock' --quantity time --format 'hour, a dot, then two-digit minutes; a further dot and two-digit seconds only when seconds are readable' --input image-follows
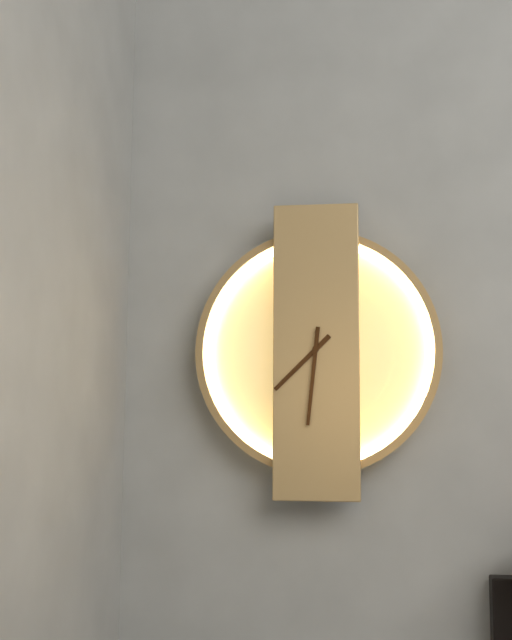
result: 7.31
